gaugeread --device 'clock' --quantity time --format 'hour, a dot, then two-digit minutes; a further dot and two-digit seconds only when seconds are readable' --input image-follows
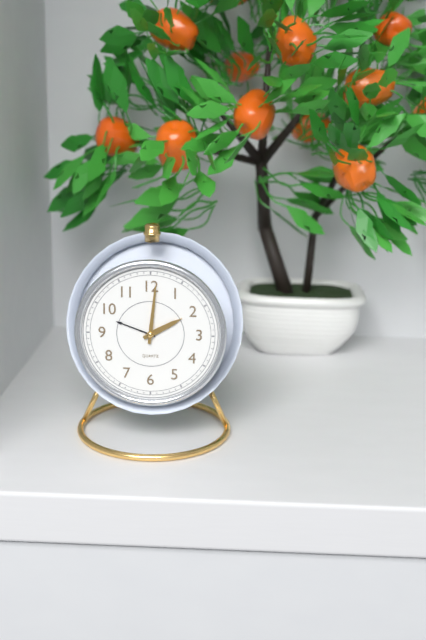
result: 2.01
